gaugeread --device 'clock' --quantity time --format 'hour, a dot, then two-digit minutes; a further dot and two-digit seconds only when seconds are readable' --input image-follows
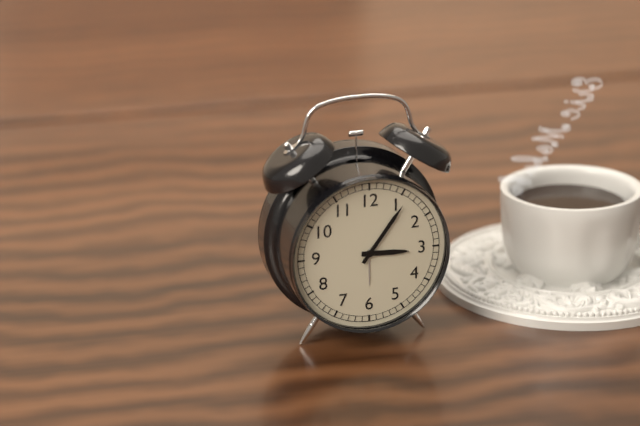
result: 3.06
